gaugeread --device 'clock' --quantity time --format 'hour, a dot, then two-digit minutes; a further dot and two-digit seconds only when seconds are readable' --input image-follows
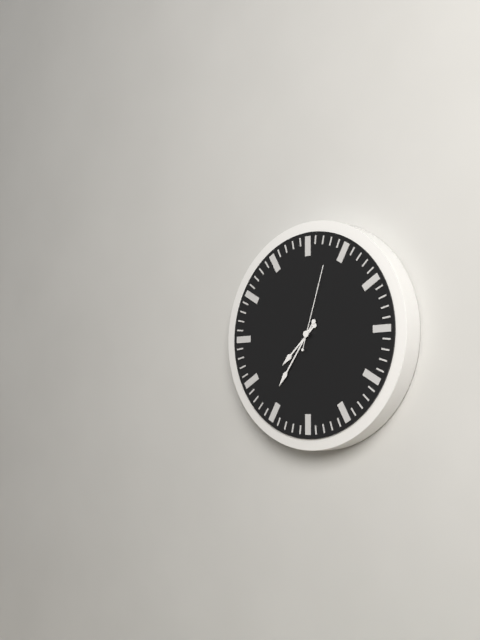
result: 7.36.03
